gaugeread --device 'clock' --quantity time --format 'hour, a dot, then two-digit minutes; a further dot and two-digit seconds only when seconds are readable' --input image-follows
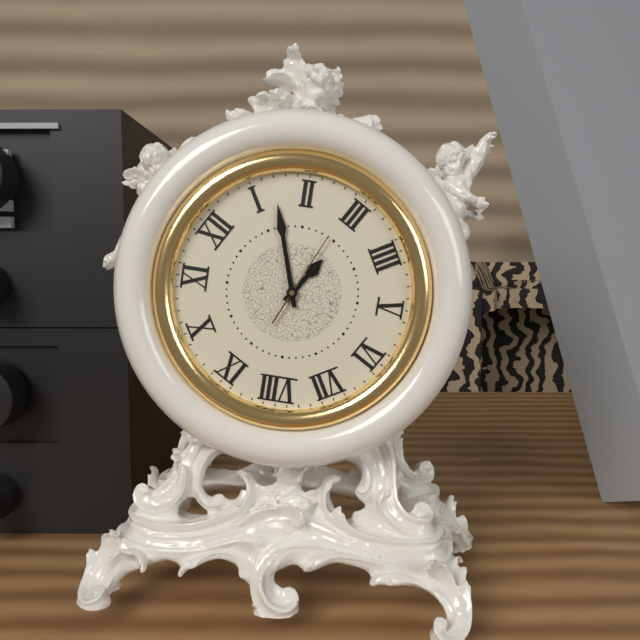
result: 3.07.14
